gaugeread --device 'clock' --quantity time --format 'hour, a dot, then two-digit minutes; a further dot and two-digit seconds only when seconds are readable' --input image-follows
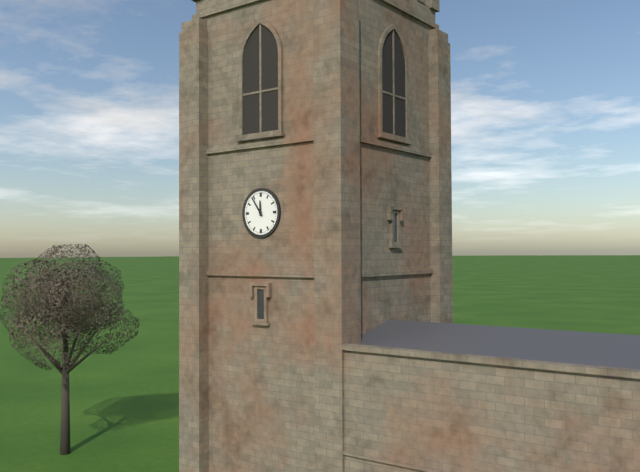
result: 11.54
